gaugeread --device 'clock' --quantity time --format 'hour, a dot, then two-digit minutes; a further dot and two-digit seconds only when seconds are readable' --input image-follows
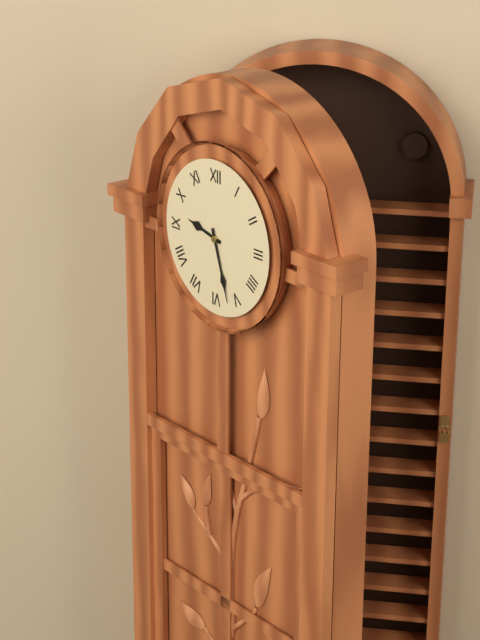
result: 9.27
